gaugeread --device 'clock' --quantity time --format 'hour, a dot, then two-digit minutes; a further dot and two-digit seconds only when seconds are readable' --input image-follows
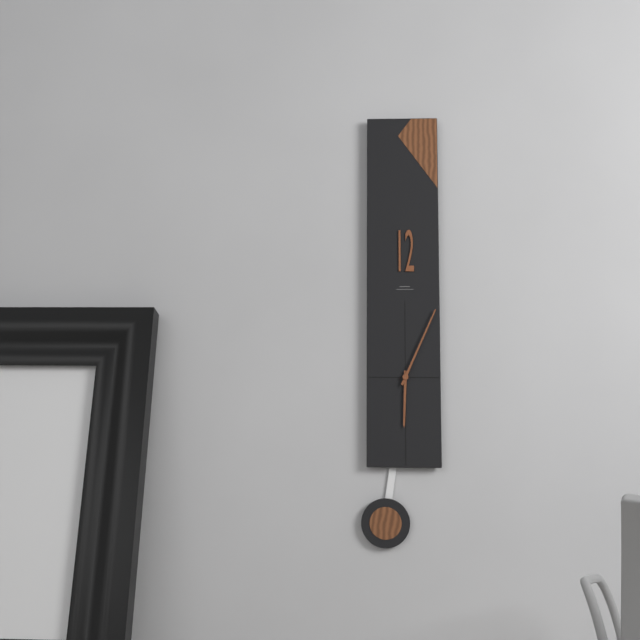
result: 6.04
